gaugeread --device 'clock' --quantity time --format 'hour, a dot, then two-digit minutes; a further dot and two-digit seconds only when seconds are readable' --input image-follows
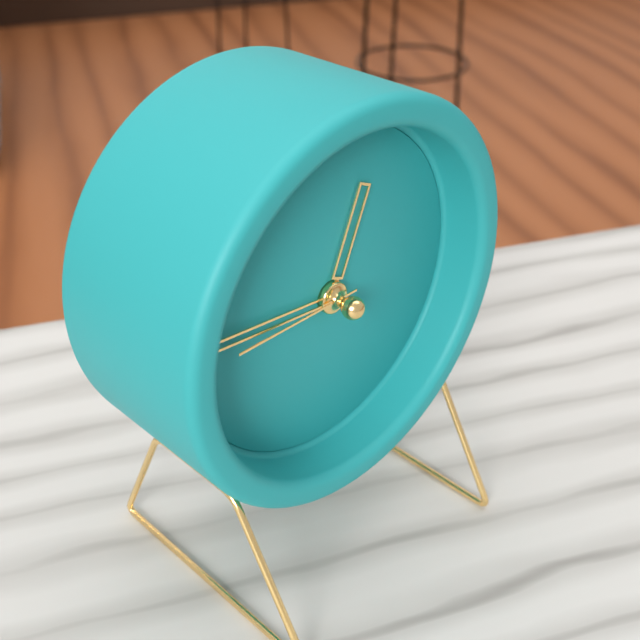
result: 12.46.45
